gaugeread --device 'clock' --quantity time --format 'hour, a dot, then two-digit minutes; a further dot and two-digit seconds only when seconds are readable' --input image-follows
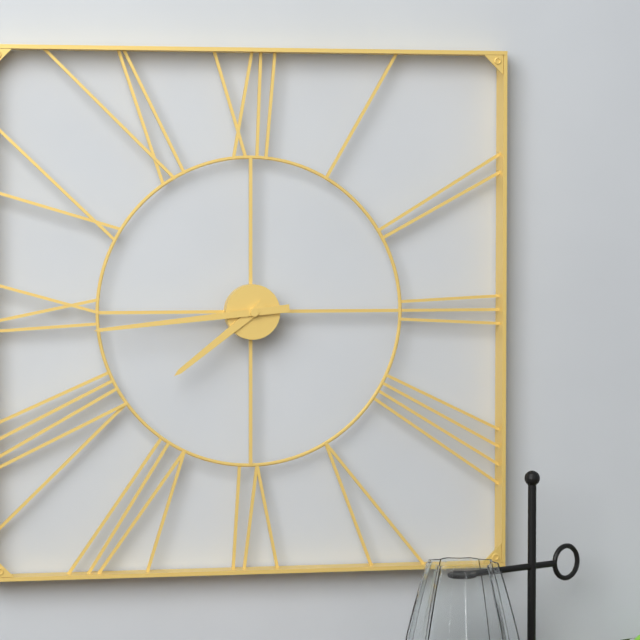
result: 7.44
